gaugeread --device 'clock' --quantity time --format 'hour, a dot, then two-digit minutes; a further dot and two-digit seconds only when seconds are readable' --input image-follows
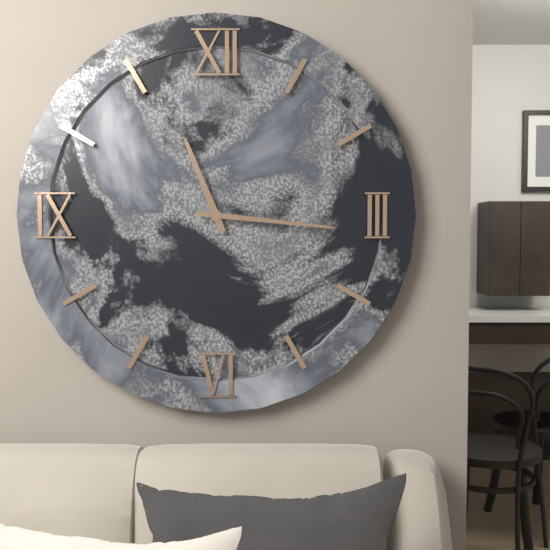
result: 11.16
